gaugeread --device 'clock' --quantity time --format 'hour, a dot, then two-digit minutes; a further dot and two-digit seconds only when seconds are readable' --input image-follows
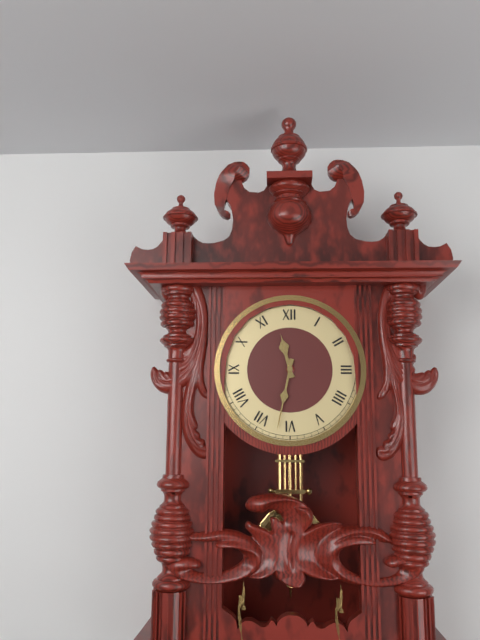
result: 11.32
